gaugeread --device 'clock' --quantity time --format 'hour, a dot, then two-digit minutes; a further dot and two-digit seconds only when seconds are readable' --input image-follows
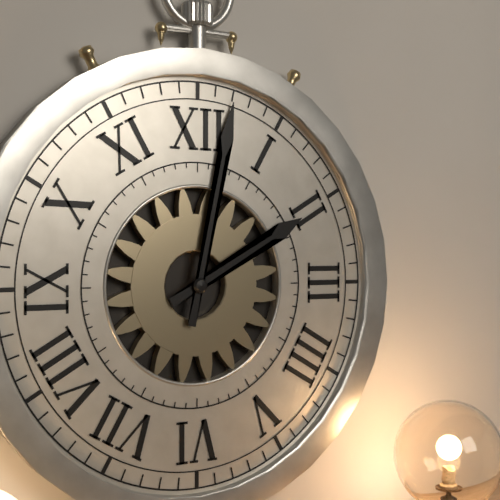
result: 2.02
